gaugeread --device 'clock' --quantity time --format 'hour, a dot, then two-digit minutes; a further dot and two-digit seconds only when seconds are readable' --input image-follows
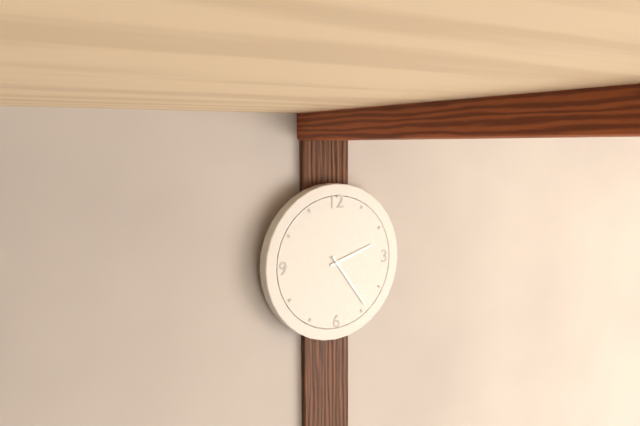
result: 2.24
